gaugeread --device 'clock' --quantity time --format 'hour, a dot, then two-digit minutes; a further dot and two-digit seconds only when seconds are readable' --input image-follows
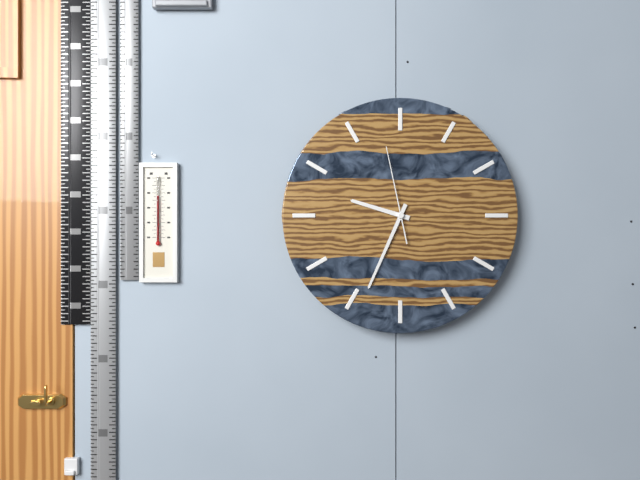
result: 9.34.58
